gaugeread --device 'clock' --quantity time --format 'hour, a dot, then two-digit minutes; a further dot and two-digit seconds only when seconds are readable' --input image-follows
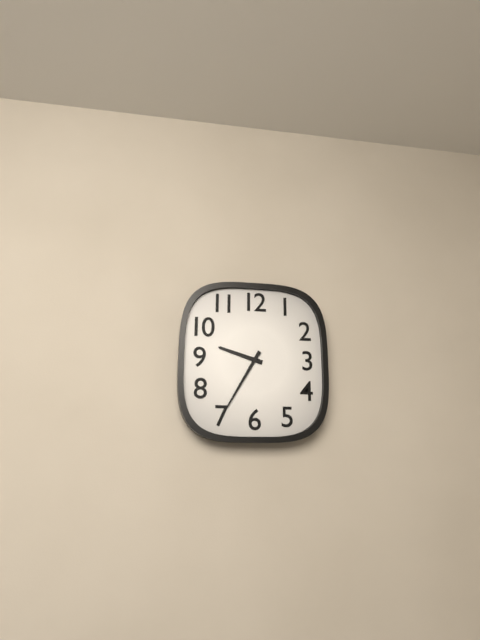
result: 9.35
